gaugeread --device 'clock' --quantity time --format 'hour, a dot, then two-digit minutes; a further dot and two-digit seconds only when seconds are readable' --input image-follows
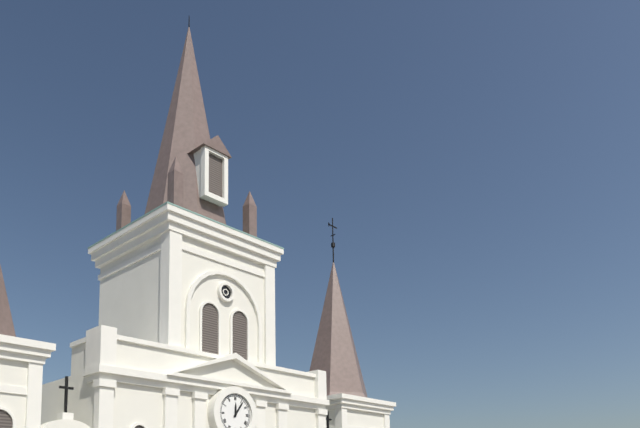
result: 12.06
